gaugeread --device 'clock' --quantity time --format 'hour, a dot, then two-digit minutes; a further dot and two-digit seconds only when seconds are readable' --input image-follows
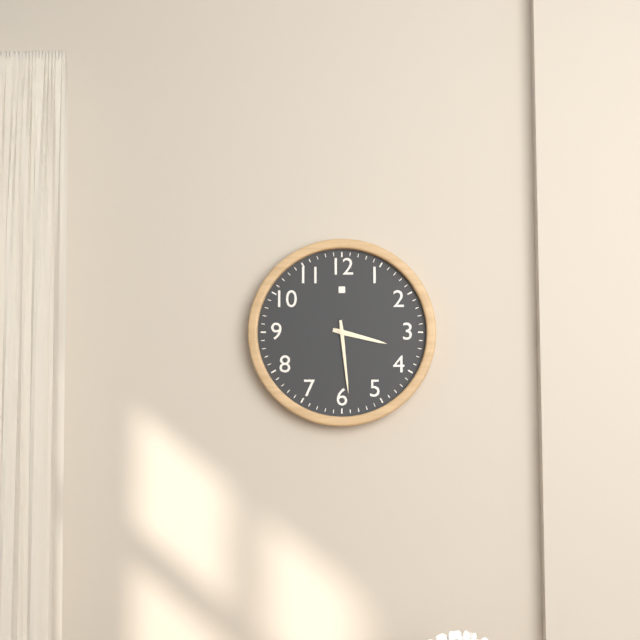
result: 3.29
